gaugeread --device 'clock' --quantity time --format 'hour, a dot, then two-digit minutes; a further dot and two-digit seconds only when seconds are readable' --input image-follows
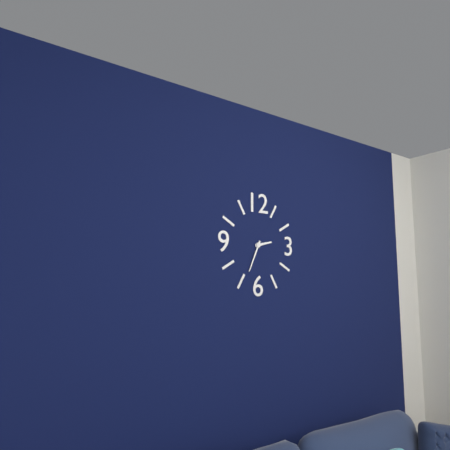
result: 2.34
